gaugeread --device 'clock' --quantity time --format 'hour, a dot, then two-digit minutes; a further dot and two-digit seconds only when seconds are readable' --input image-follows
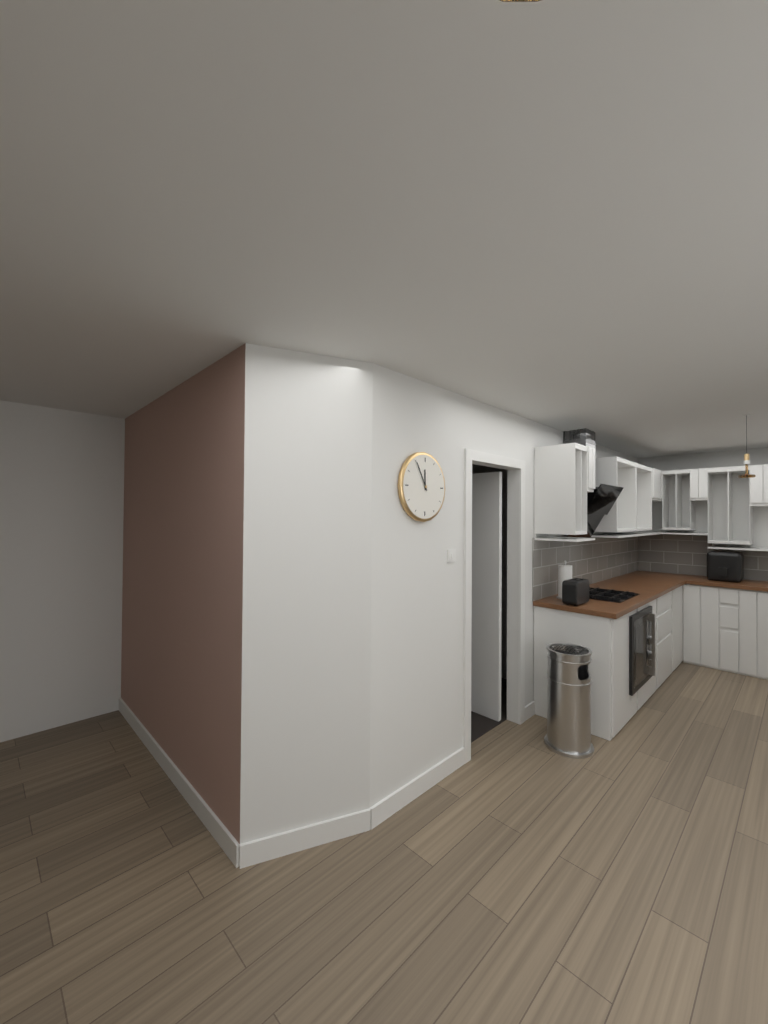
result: 11.55
